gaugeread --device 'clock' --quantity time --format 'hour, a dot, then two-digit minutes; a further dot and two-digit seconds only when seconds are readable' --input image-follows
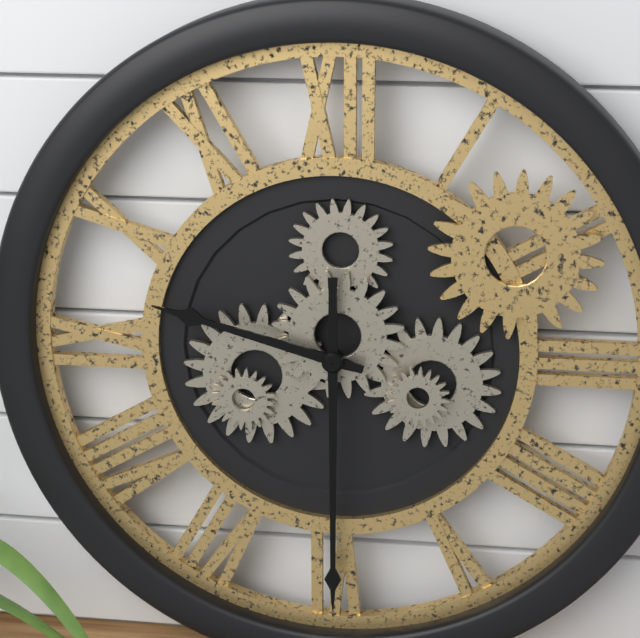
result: 9.30
